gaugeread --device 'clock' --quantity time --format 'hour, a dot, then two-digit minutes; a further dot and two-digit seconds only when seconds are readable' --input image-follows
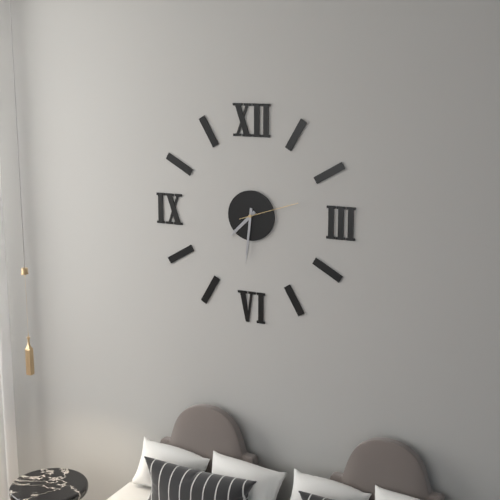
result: 7.31.12
